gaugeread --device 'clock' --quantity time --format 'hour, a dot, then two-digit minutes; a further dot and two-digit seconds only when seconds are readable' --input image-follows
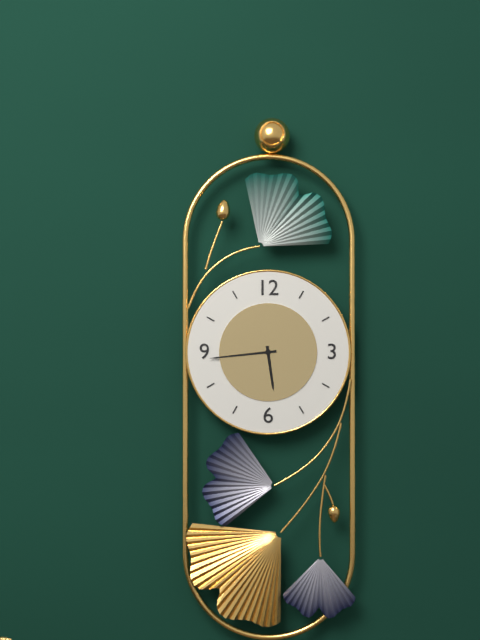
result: 5.44
